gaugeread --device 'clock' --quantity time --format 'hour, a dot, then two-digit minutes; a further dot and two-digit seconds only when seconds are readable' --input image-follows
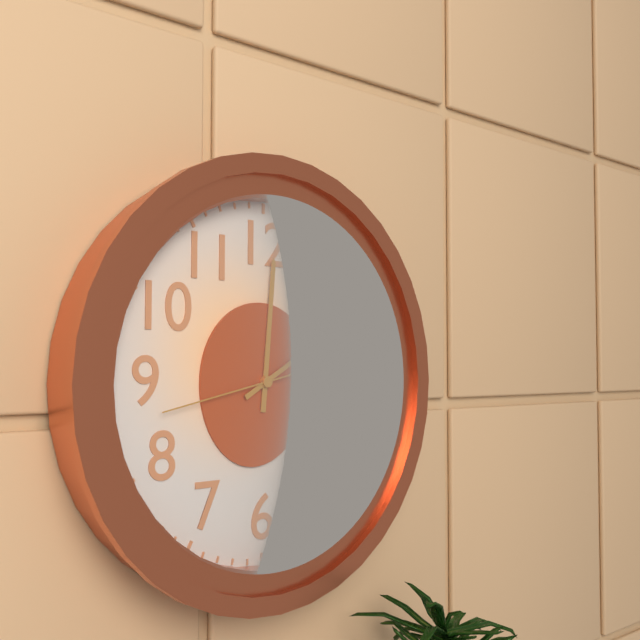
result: 12.10.43
